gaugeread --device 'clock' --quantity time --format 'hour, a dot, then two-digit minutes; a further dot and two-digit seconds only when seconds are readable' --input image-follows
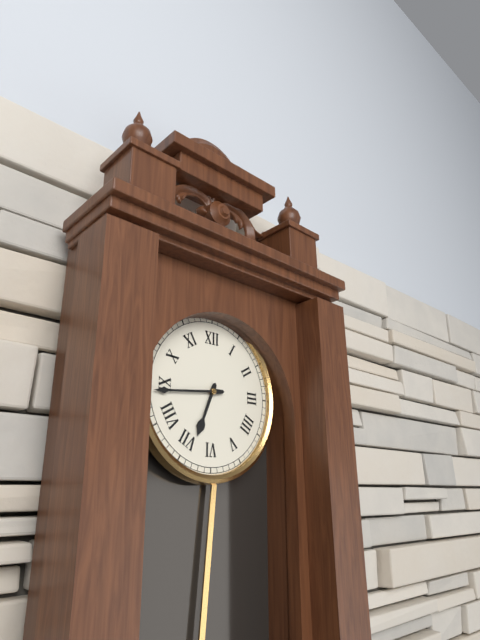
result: 6.44
